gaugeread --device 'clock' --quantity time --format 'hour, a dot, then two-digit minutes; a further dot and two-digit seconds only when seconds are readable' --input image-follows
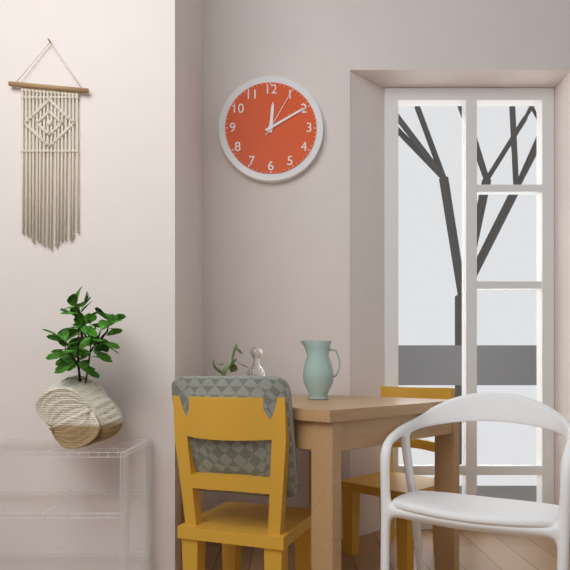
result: 12.10.05
